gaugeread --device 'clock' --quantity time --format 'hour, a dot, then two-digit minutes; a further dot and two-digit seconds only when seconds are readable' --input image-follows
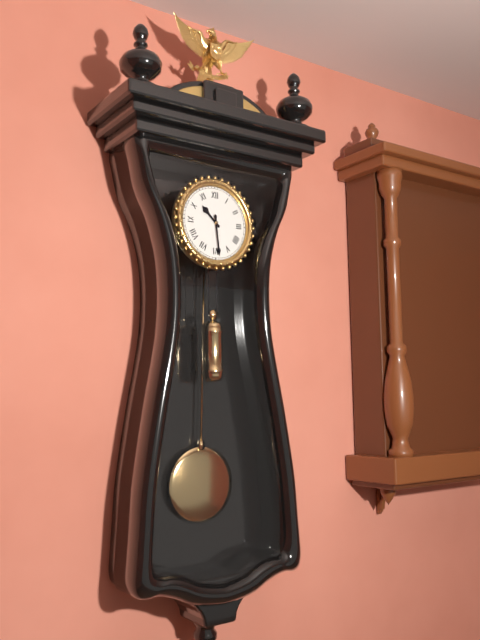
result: 10.29
